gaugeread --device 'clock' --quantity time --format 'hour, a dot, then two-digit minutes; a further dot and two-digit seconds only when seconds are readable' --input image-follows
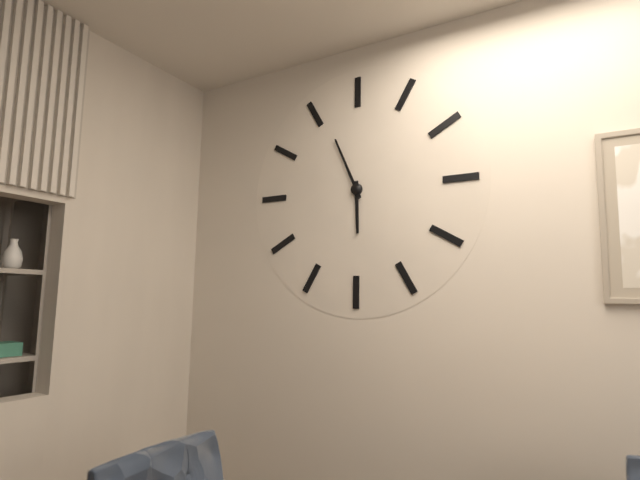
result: 5.56
